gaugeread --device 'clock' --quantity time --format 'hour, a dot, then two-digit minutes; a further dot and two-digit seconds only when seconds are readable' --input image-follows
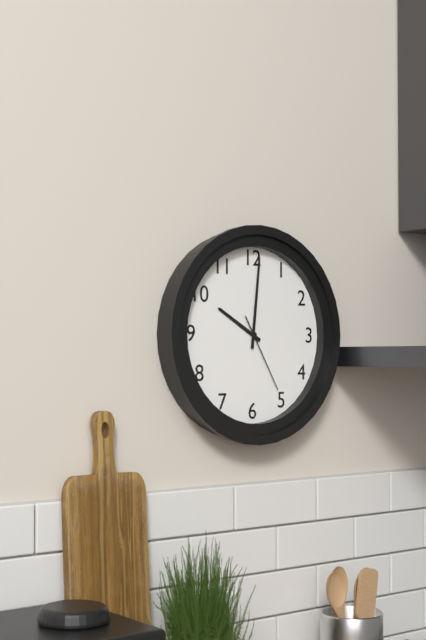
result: 10.01.25
